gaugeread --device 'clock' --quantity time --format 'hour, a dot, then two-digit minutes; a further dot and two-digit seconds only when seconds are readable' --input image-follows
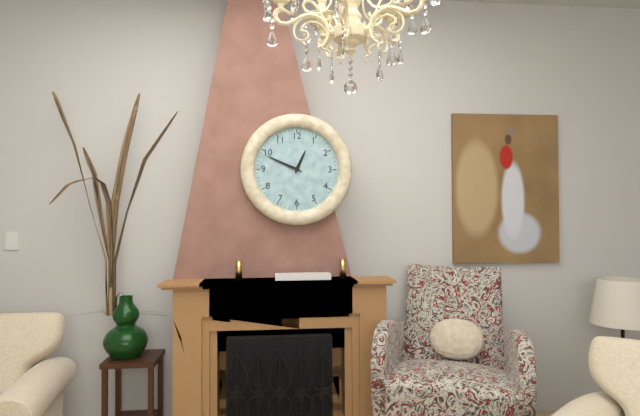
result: 12.49
